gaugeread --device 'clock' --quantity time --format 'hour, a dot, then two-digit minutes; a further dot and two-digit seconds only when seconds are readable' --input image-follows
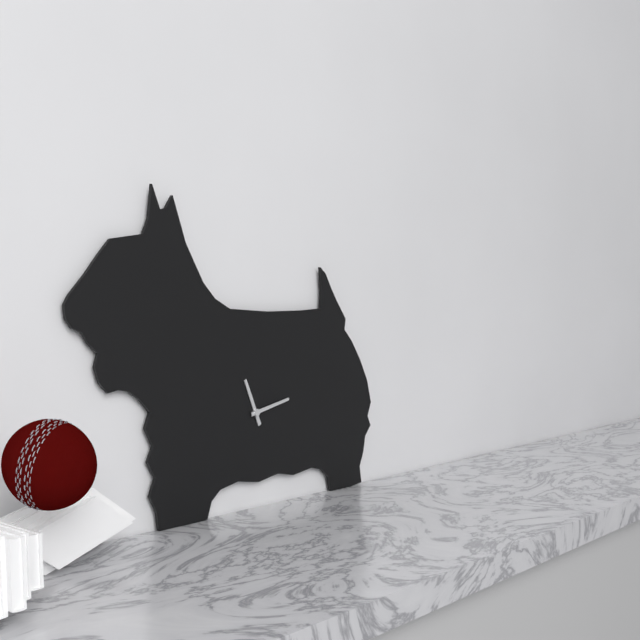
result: 11.13
